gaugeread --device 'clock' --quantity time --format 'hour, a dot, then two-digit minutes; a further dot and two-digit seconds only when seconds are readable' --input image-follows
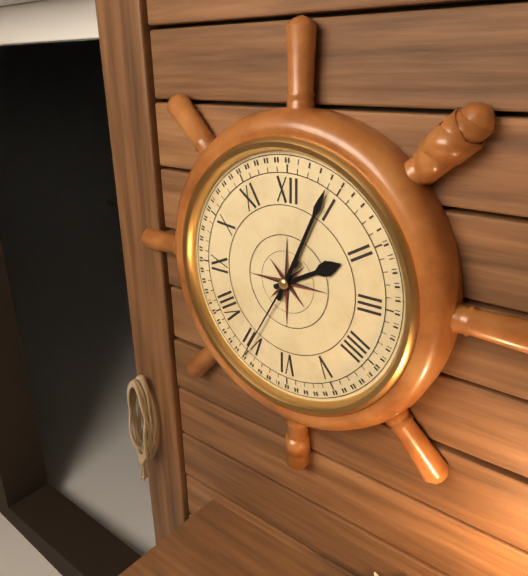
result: 2.04.35
